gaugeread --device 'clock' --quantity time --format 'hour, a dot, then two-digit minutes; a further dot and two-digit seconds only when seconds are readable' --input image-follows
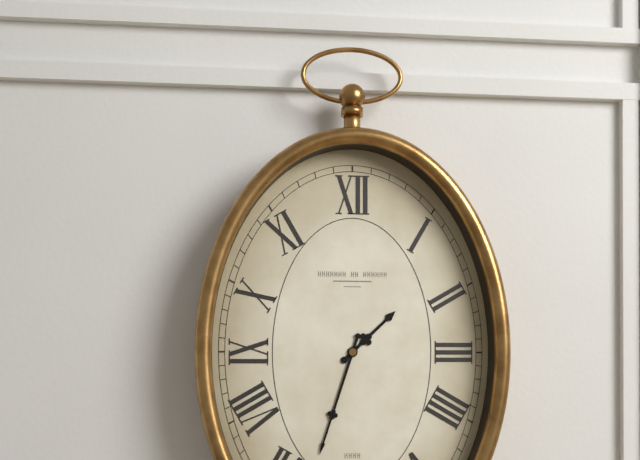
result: 1.33
